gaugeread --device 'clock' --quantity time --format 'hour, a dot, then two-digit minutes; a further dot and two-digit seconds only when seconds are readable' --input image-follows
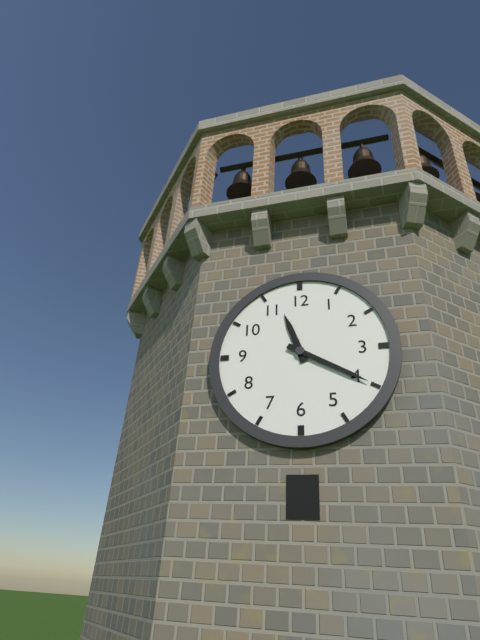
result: 11.20
